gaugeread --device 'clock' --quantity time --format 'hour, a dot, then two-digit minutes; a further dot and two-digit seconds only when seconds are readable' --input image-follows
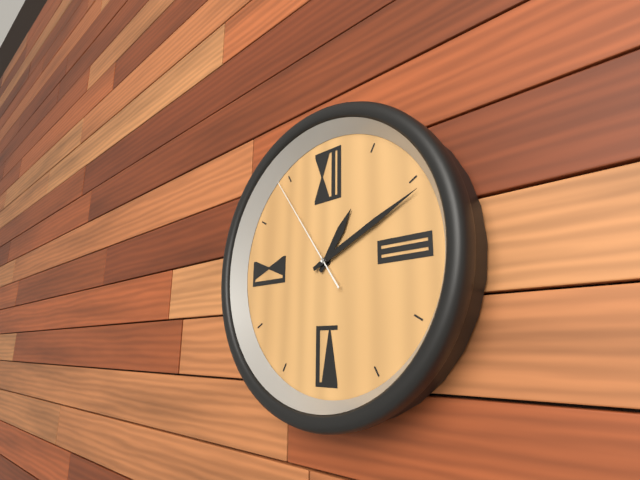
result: 1.11.54
